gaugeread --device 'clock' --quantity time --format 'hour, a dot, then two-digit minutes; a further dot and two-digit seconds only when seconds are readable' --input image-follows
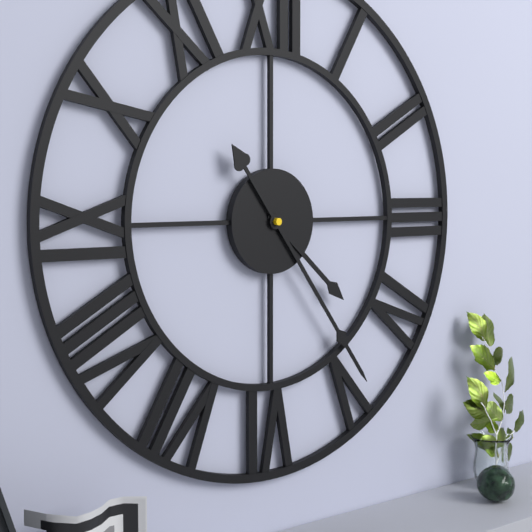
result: 4.24
